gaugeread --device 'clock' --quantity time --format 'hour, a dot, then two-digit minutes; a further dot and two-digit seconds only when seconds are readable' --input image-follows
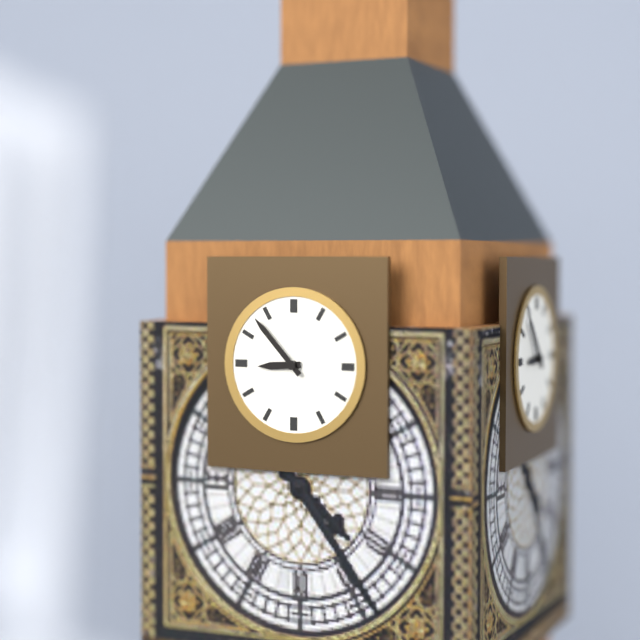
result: 8.53
